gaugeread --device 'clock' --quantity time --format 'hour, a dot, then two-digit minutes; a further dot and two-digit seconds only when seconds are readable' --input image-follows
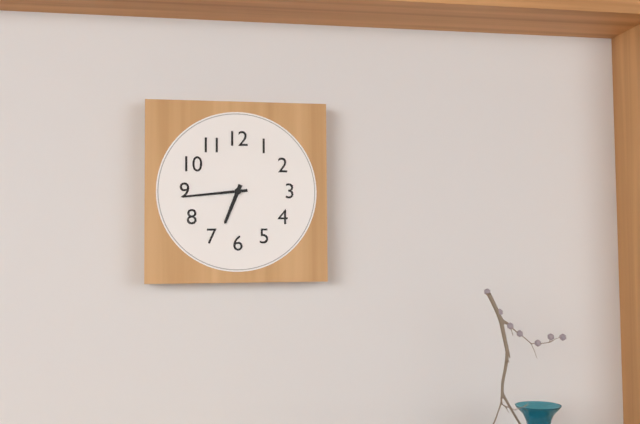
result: 6.44
